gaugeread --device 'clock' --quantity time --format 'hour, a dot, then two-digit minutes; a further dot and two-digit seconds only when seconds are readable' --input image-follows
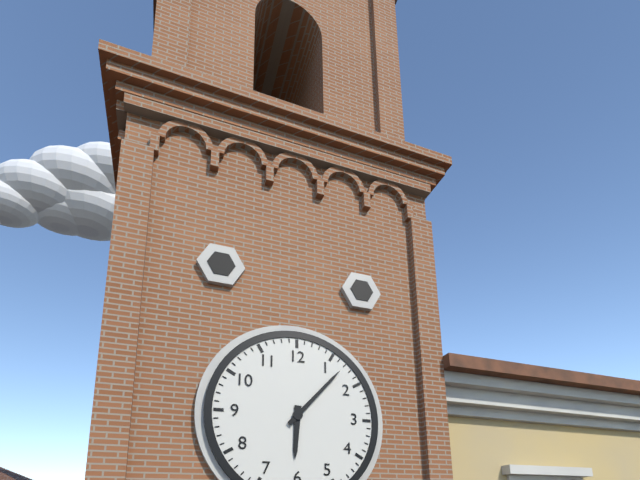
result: 6.07
